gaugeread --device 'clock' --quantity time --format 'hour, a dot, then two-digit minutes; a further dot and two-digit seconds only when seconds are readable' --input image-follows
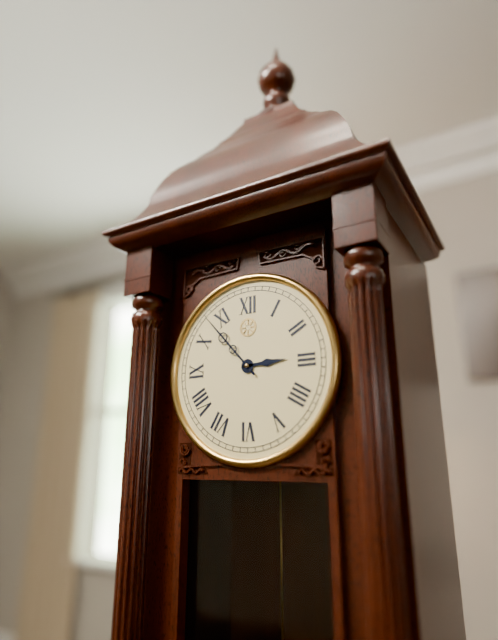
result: 2.53
